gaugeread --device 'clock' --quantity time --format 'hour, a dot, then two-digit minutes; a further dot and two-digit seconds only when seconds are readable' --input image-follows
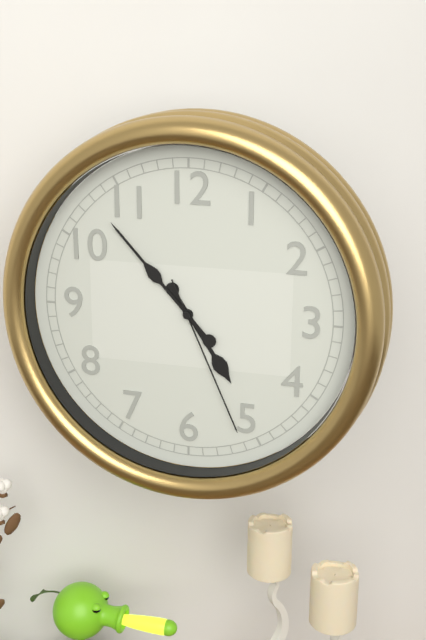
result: 4.53.26
